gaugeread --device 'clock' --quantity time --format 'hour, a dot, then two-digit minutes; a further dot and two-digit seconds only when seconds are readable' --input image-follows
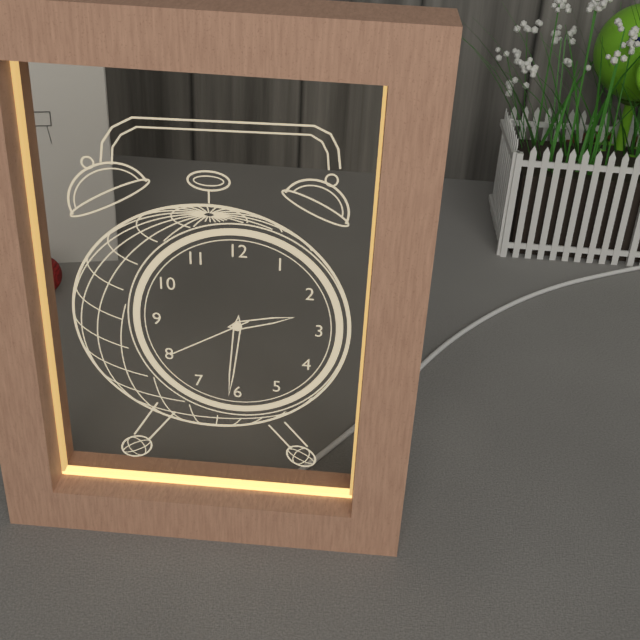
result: 2.31.40
